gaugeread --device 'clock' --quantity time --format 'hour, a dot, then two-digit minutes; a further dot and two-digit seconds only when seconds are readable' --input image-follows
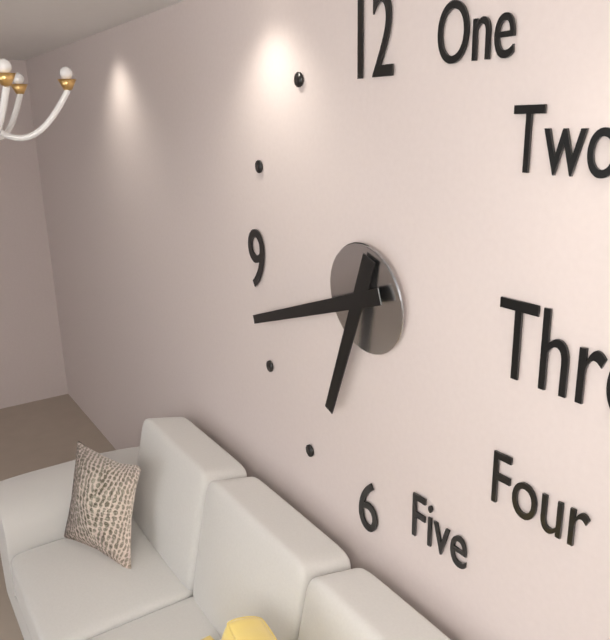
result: 6.42
